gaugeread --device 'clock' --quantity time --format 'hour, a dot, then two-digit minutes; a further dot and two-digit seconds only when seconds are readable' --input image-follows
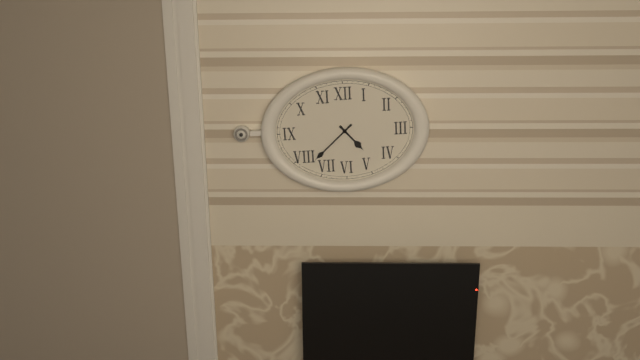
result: 4.38
